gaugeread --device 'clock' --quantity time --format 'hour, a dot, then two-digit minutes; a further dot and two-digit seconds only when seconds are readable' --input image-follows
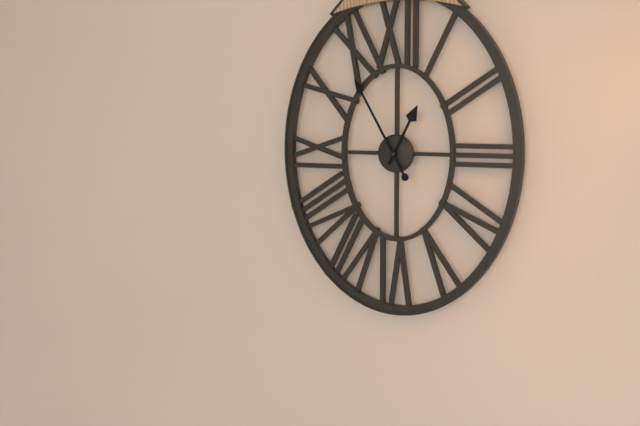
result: 12.55
